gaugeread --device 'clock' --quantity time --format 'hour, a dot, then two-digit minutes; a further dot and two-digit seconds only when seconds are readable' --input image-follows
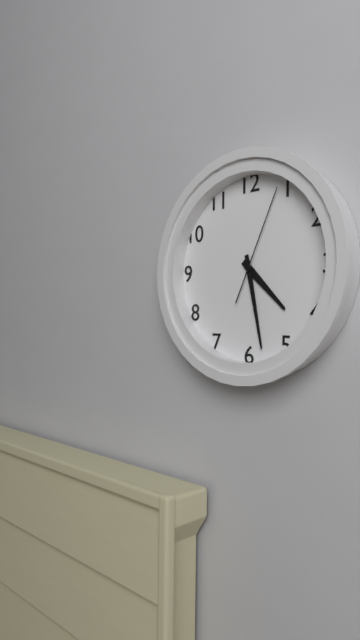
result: 4.28.04
